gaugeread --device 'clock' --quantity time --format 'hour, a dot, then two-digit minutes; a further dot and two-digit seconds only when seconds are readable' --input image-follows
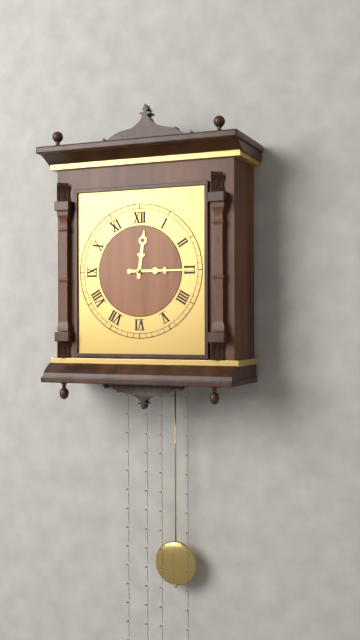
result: 12.15
